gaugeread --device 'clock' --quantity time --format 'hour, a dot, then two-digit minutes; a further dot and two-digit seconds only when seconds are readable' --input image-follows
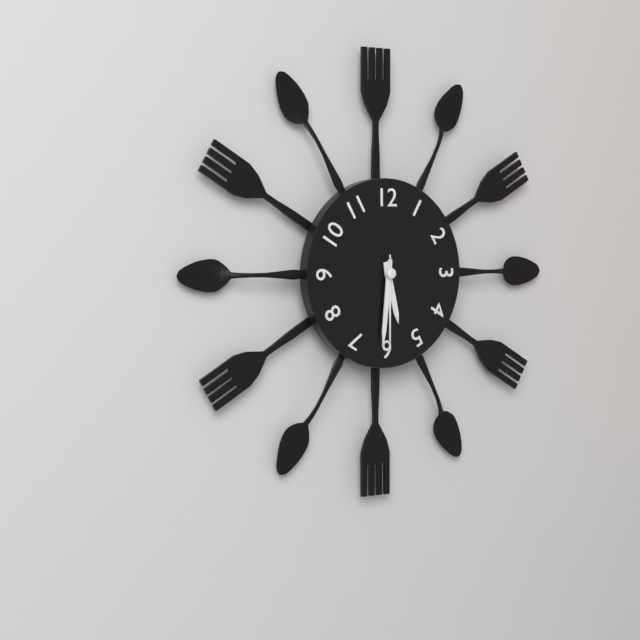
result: 5.31.30
